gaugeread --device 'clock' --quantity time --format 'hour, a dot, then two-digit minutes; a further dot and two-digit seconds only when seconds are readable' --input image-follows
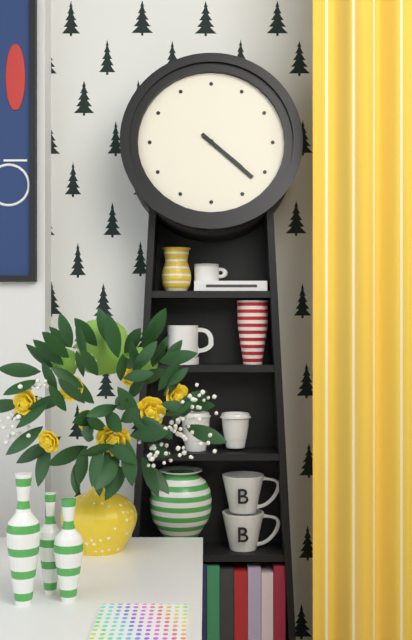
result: 4.22
